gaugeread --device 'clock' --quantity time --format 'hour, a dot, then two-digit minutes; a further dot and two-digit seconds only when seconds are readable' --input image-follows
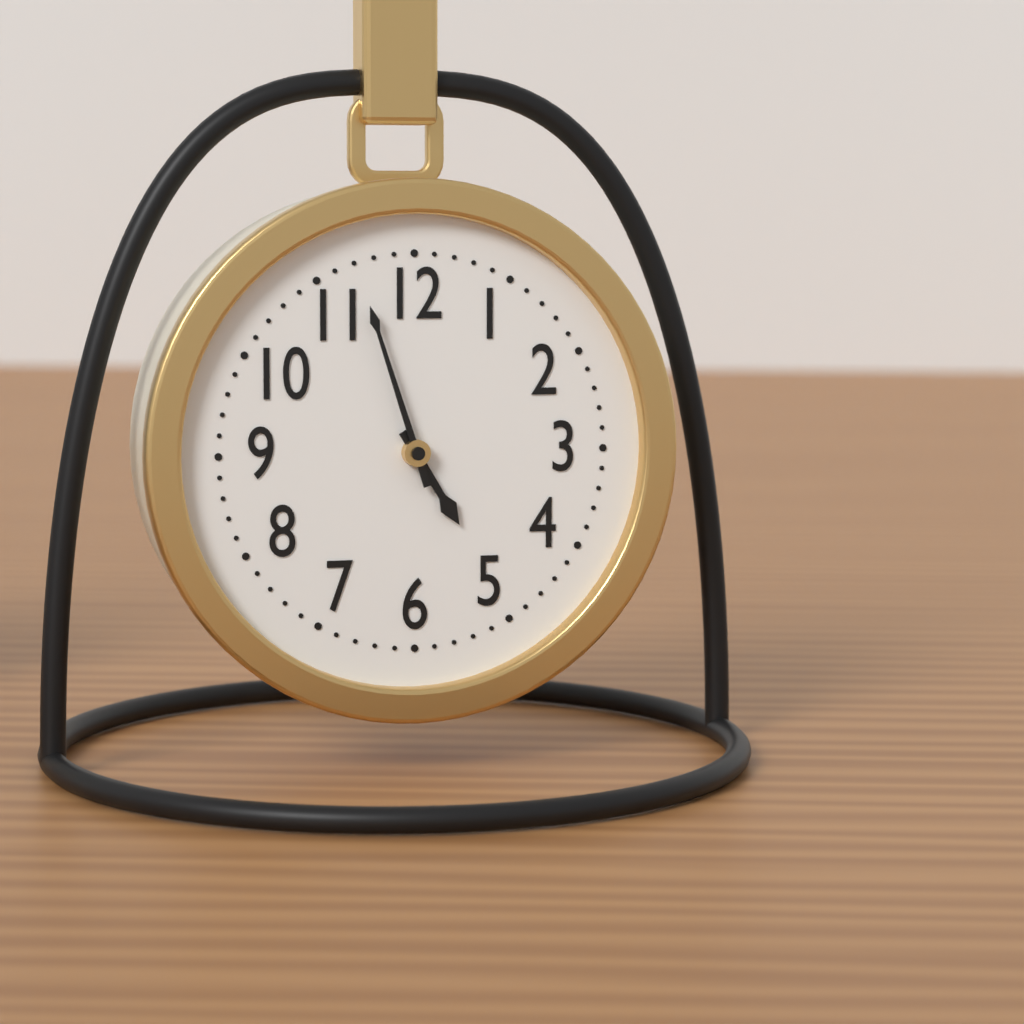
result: 4.57
